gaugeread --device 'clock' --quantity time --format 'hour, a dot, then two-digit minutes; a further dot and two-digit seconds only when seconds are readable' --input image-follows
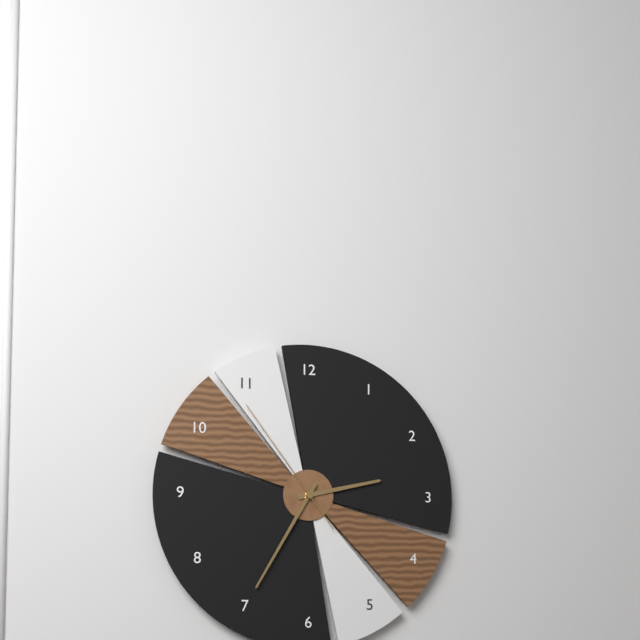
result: 2.35.54
